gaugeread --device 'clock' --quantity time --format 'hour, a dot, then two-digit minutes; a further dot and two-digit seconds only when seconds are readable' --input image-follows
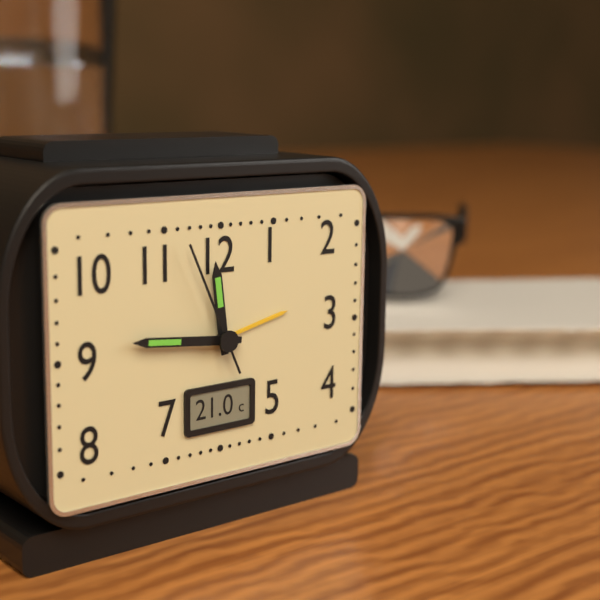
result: 11.46.56
